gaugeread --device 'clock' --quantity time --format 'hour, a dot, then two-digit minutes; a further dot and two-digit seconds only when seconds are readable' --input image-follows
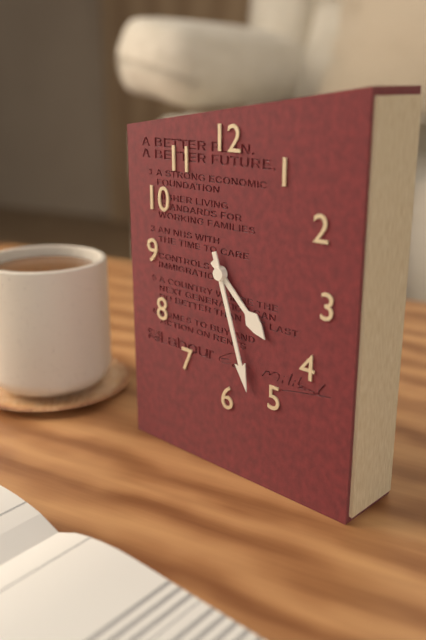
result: 4.27
